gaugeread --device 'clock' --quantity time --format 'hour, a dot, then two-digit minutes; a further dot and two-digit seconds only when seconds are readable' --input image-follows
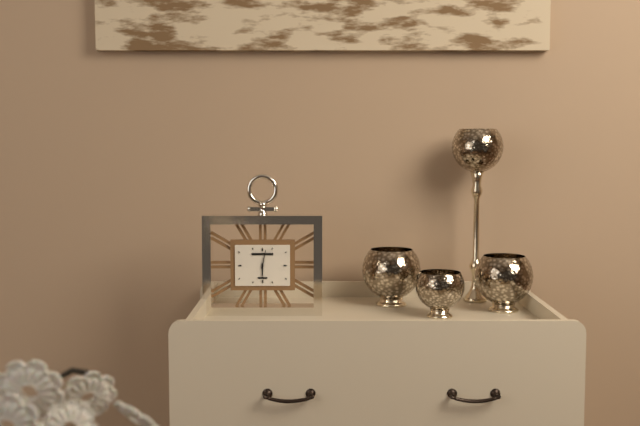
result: 6.02
